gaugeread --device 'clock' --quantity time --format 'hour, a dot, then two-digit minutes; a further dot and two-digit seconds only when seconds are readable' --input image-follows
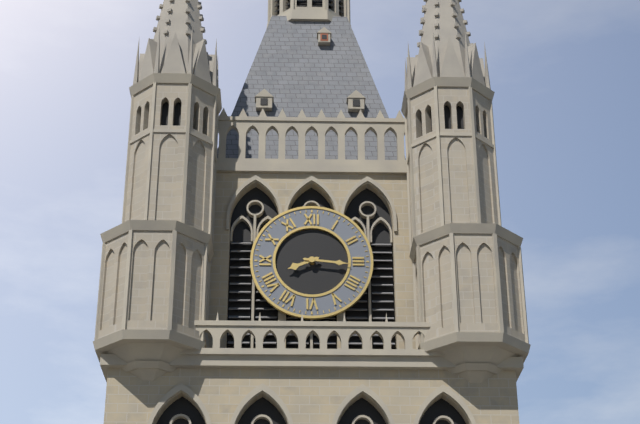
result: 8.16
